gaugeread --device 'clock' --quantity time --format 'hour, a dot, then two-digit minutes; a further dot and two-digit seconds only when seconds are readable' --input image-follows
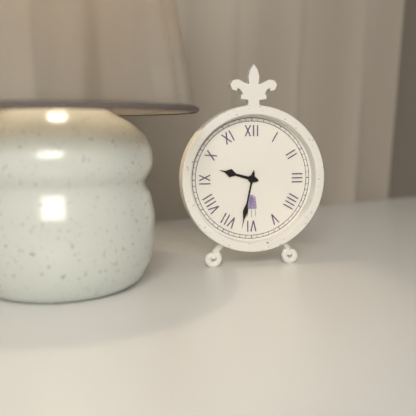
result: 9.32
